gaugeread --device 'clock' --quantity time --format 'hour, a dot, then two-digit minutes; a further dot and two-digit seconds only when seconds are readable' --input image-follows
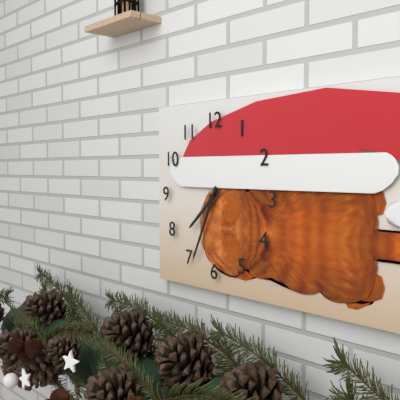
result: 7.34
